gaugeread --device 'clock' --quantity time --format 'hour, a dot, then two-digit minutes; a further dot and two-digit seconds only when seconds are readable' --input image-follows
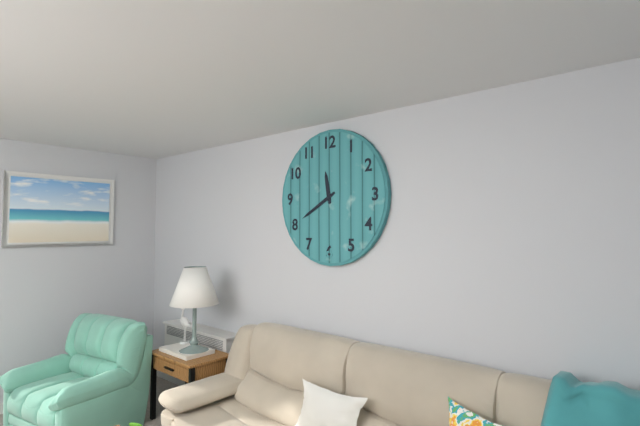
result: 11.40
